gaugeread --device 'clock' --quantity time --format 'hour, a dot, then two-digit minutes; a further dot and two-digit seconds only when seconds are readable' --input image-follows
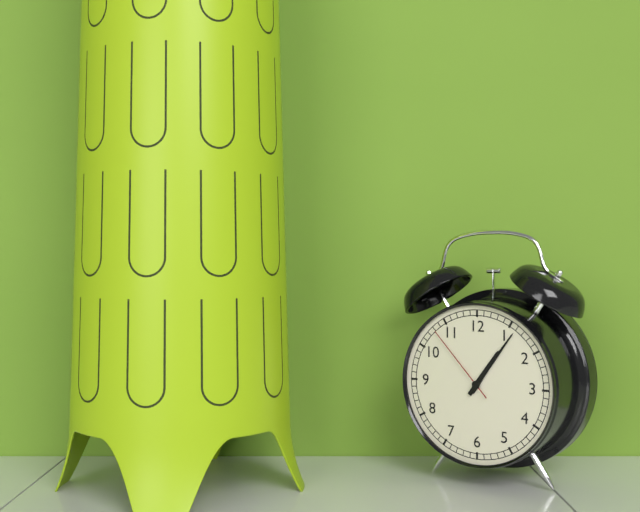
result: 1.06.53
